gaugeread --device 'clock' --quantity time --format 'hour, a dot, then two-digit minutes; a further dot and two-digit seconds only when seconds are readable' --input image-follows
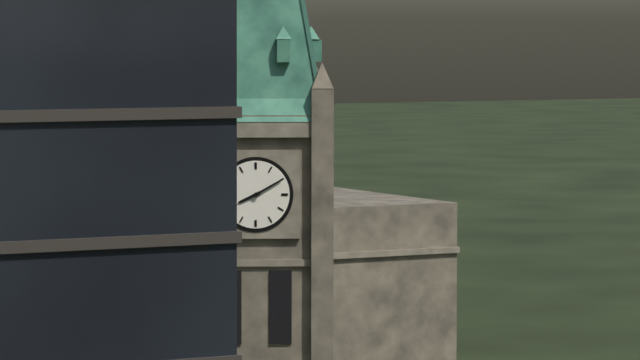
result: 8.10
